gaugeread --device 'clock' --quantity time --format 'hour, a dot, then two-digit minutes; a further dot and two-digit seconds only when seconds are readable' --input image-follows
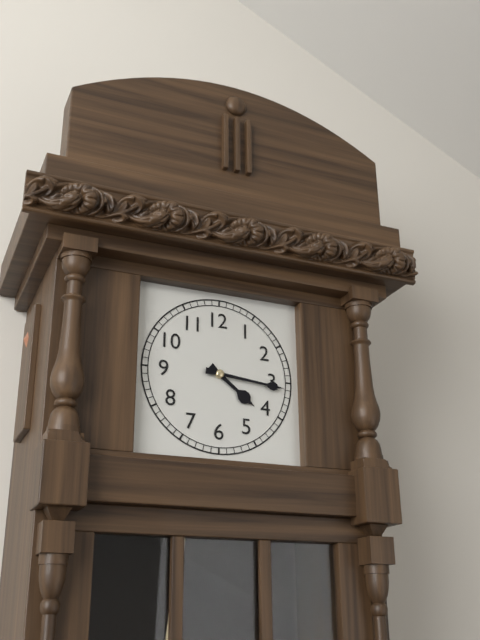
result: 4.16
